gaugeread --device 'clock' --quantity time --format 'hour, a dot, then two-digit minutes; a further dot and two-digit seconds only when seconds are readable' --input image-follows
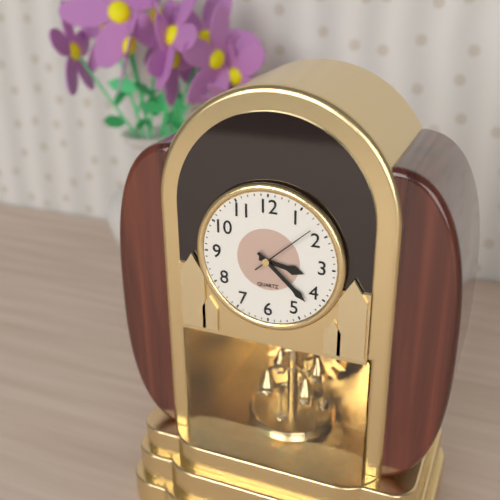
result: 3.22.08
